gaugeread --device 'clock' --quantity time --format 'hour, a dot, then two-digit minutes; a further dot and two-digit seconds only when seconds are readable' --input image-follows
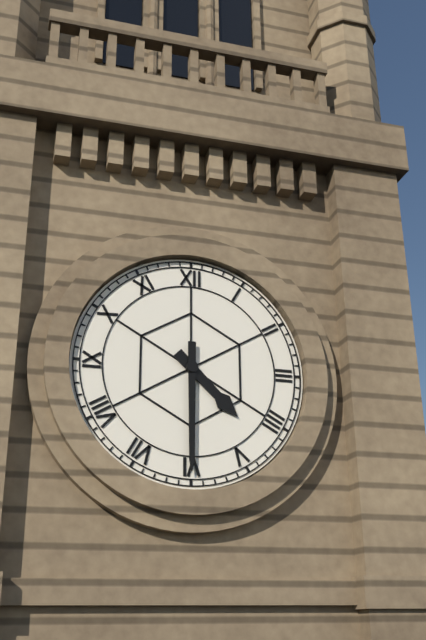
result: 4.30
